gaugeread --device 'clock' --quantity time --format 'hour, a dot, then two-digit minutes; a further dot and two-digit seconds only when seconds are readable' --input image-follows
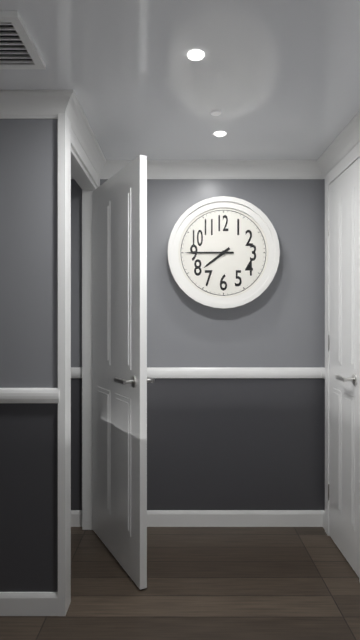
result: 7.45
